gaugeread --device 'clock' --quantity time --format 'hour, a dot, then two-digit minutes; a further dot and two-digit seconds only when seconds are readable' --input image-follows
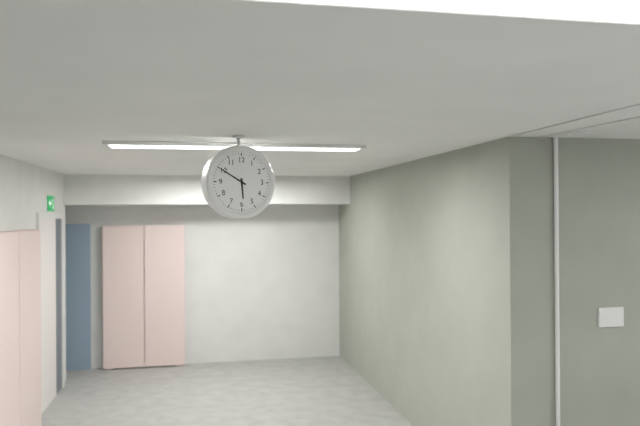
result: 5.50
